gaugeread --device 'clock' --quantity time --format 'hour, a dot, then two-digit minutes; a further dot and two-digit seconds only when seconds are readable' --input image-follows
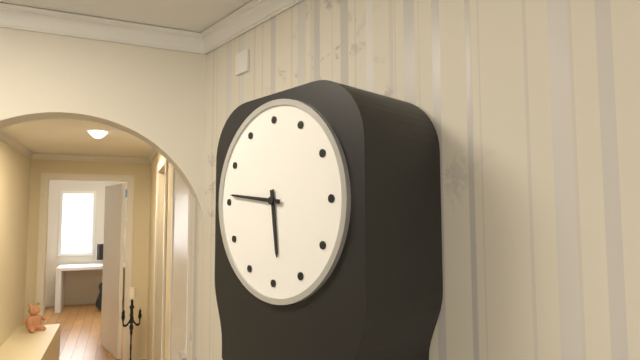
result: 5.46
